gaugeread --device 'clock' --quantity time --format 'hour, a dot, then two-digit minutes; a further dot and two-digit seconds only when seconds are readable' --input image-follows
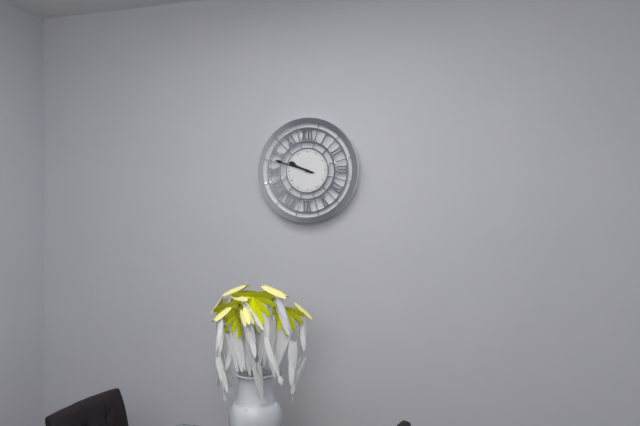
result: 9.48
